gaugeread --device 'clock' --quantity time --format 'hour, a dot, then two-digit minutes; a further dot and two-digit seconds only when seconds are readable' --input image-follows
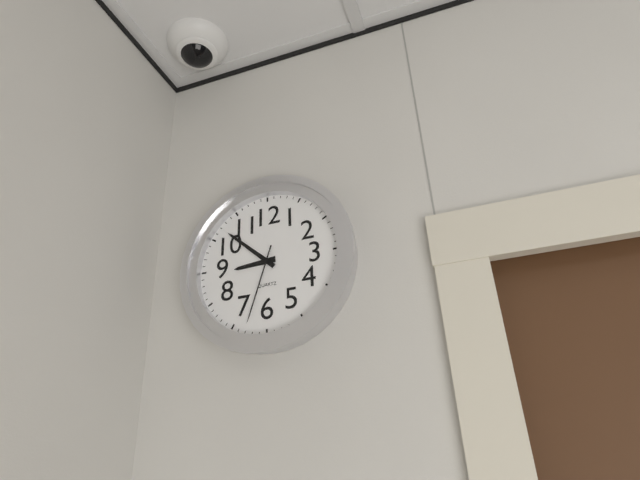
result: 8.52.33
